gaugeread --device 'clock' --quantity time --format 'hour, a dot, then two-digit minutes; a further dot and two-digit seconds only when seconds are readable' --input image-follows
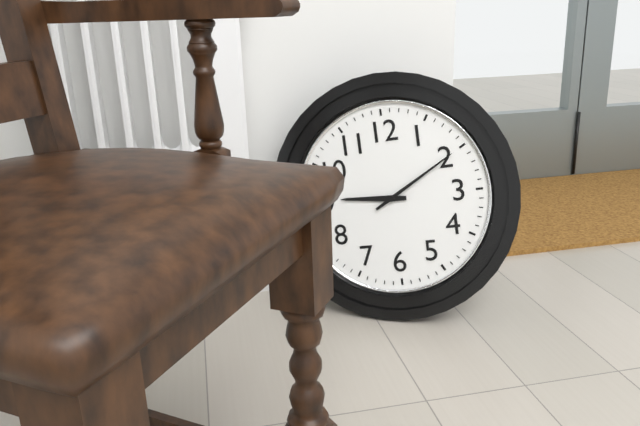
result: 9.10
